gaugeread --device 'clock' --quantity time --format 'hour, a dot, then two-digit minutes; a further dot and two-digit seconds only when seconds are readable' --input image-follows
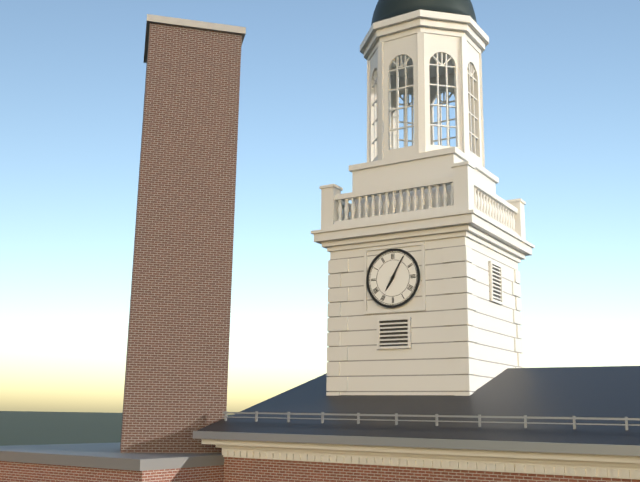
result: 7.05
